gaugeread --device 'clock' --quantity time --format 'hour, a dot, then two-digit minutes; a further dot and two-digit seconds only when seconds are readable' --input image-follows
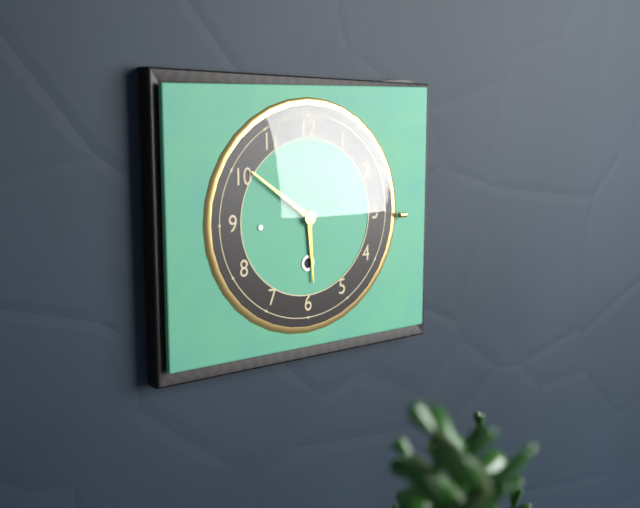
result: 5.51
